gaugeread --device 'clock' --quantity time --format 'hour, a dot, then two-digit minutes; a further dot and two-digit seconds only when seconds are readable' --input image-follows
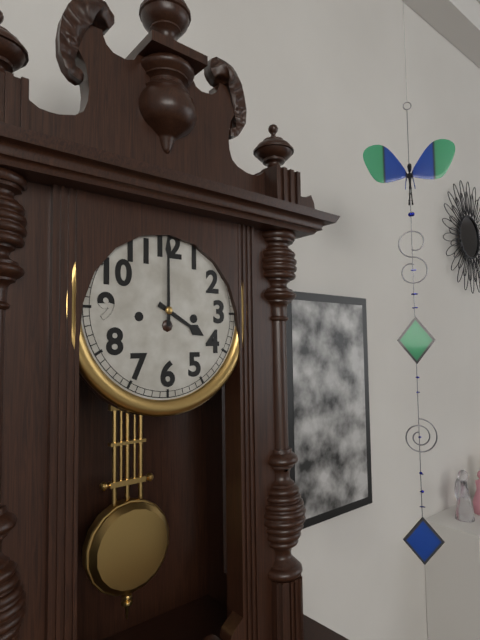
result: 4.00
